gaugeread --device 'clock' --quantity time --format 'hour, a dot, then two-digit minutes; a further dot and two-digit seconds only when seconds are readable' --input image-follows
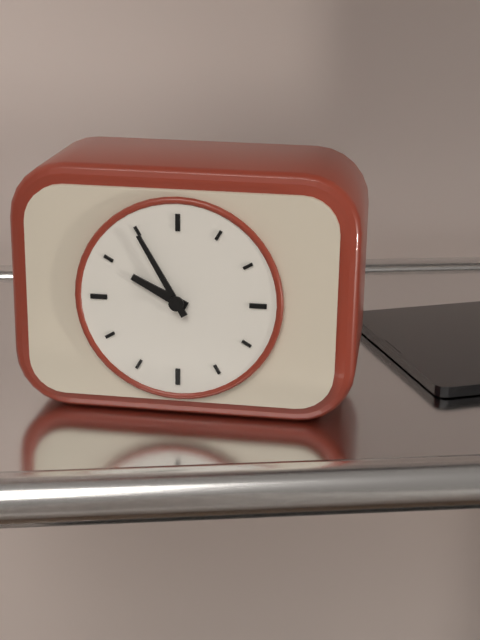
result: 9.55
